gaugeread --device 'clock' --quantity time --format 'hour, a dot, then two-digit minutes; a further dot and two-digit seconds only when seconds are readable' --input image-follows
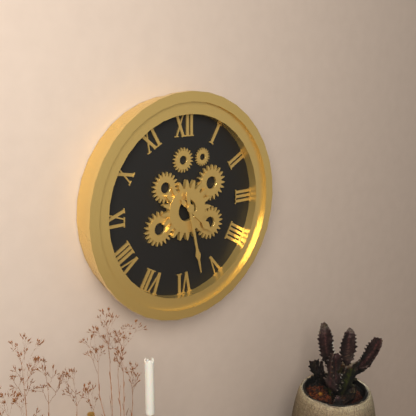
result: 4.28
